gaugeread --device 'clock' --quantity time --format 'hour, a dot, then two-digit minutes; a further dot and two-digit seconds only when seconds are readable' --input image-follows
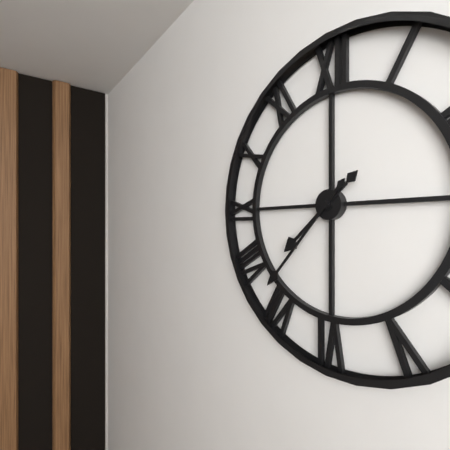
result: 7.37
